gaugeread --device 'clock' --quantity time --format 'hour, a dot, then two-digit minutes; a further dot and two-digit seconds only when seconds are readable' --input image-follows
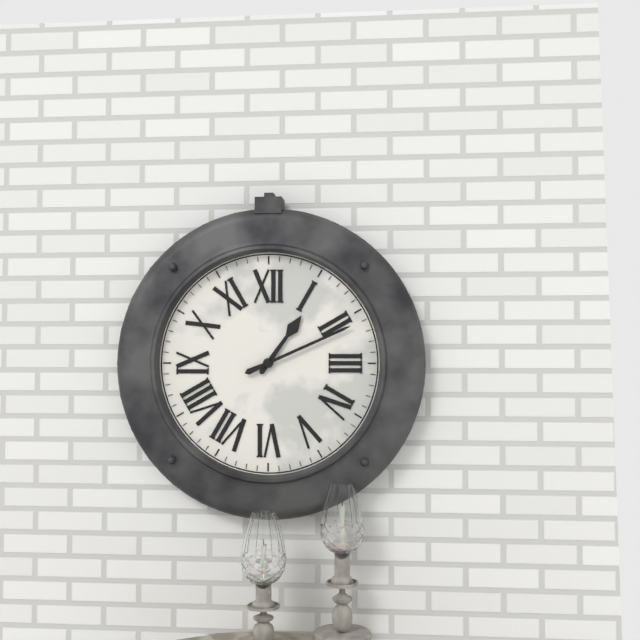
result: 1.11
